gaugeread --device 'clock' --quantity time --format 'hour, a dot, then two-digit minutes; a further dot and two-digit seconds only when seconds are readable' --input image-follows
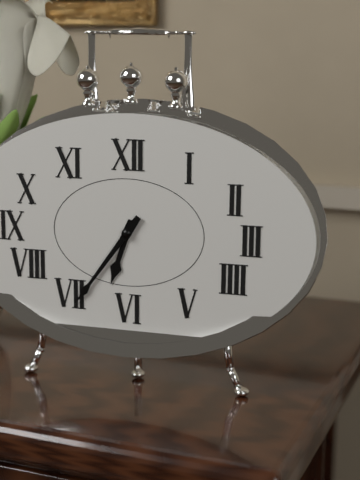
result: 6.36
